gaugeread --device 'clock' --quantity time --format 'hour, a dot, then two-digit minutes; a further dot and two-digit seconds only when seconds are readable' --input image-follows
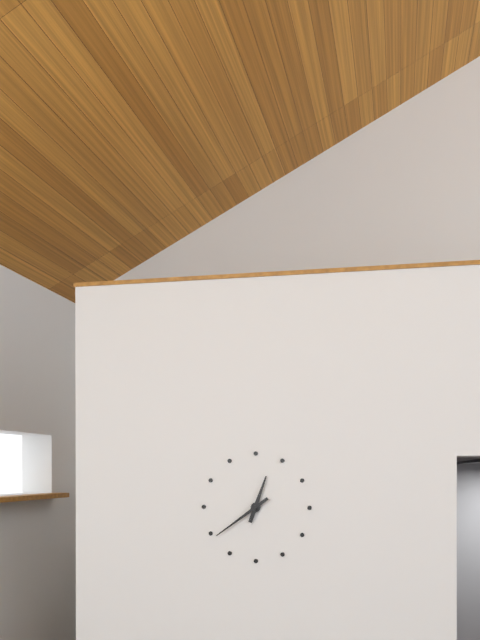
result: 12.39
